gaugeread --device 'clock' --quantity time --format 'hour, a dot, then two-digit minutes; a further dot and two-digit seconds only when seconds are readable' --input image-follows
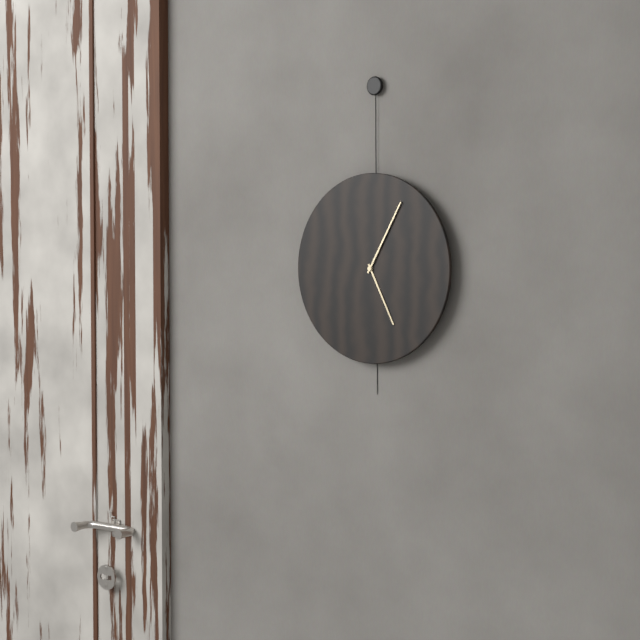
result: 5.05
